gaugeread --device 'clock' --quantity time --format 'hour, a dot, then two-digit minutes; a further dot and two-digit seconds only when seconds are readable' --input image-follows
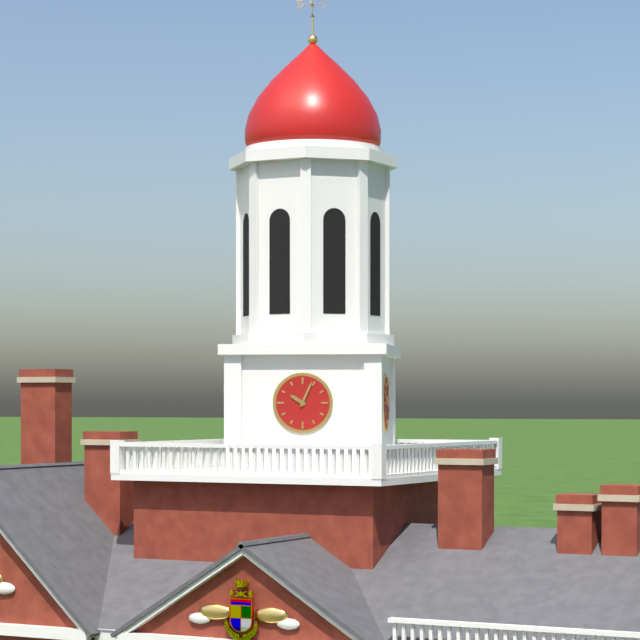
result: 10.04
